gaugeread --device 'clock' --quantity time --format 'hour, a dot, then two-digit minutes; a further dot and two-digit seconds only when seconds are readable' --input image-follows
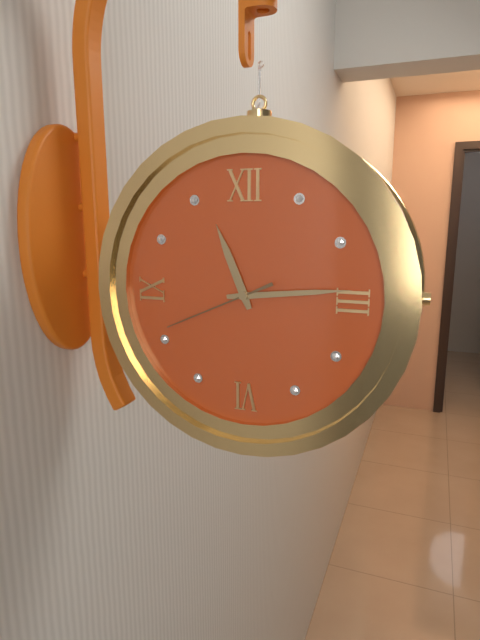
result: 11.14.41
